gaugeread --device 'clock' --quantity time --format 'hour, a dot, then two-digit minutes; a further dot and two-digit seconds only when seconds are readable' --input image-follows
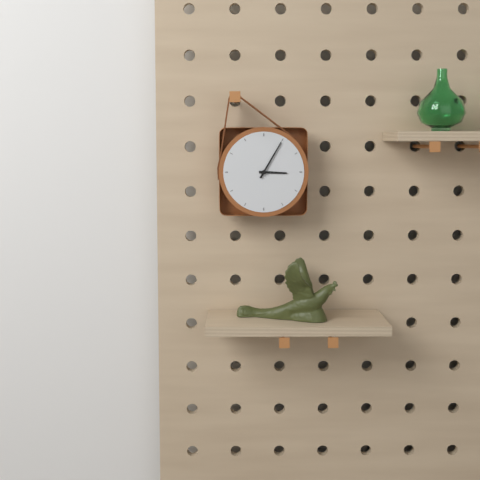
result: 3.05
